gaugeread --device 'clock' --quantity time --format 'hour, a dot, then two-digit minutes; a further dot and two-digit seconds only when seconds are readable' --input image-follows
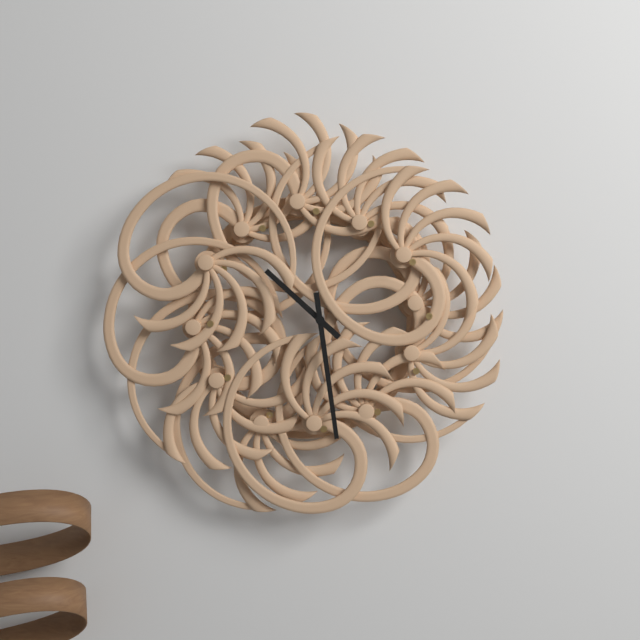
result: 10.29
